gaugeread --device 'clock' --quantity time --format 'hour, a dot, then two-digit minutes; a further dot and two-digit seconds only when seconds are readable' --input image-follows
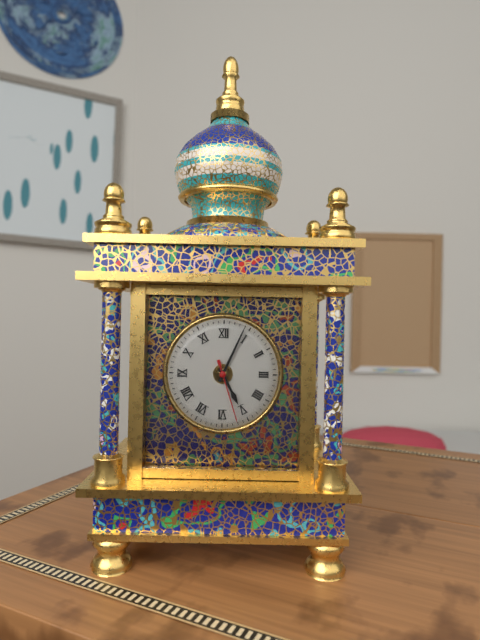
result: 5.04.27
